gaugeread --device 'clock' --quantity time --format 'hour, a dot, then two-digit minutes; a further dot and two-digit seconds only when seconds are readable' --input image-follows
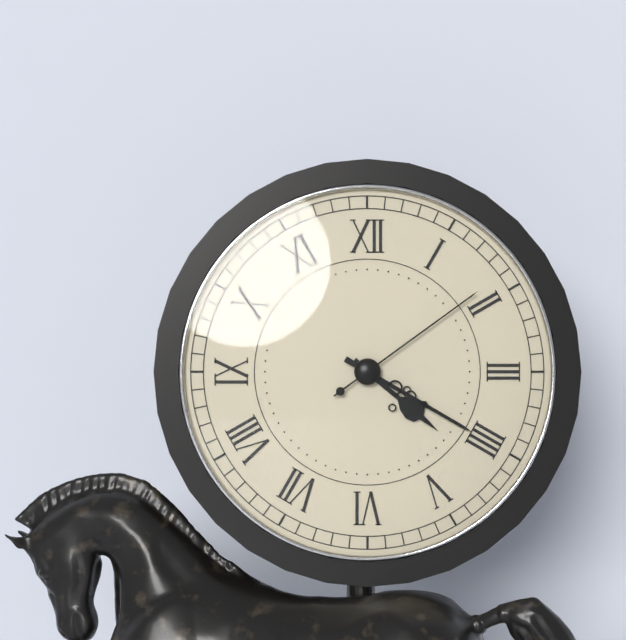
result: 4.20.09
